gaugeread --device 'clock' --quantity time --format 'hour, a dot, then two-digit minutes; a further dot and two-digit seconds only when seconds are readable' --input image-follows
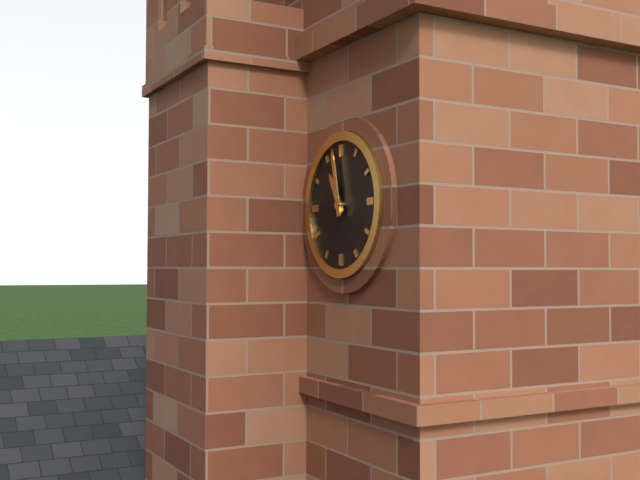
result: 10.58
